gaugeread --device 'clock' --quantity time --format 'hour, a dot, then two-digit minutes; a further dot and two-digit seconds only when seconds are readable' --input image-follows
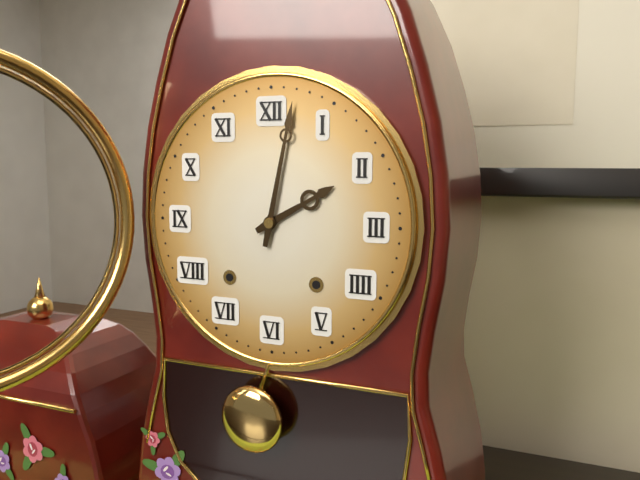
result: 2.02
